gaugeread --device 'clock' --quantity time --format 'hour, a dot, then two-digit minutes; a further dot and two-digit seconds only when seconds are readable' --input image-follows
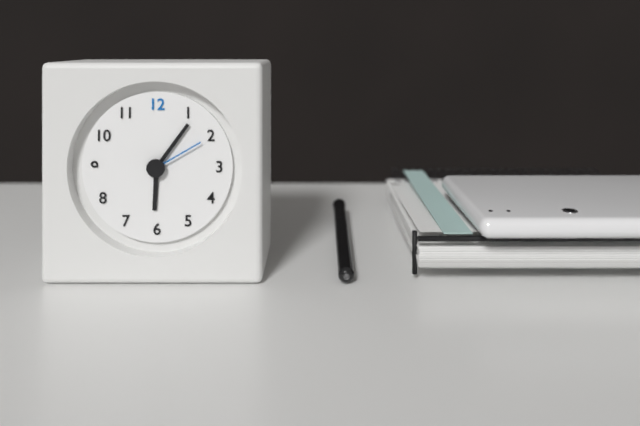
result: 6.06.10
